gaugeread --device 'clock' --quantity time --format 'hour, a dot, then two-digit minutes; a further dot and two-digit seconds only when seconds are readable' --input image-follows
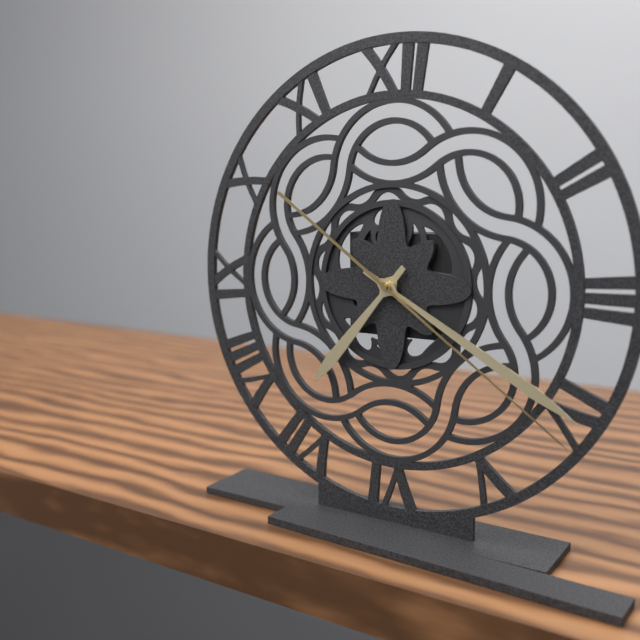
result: 7.20.21
